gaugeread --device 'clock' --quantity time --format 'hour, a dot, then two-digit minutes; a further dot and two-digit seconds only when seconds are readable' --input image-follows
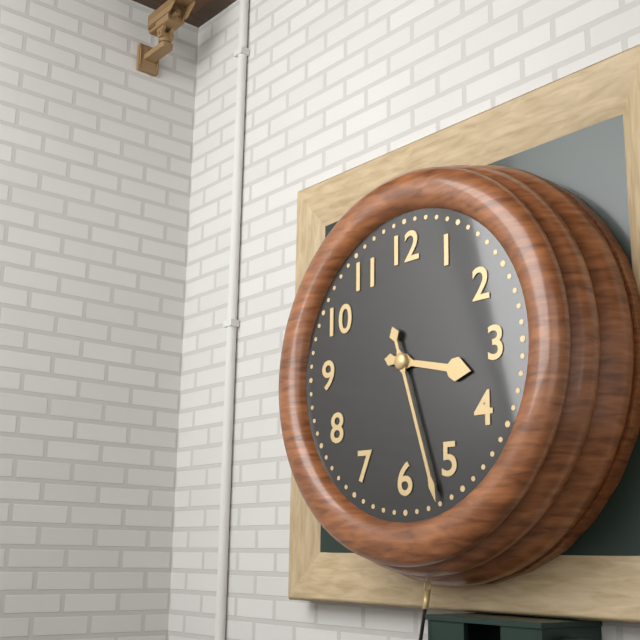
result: 3.27
